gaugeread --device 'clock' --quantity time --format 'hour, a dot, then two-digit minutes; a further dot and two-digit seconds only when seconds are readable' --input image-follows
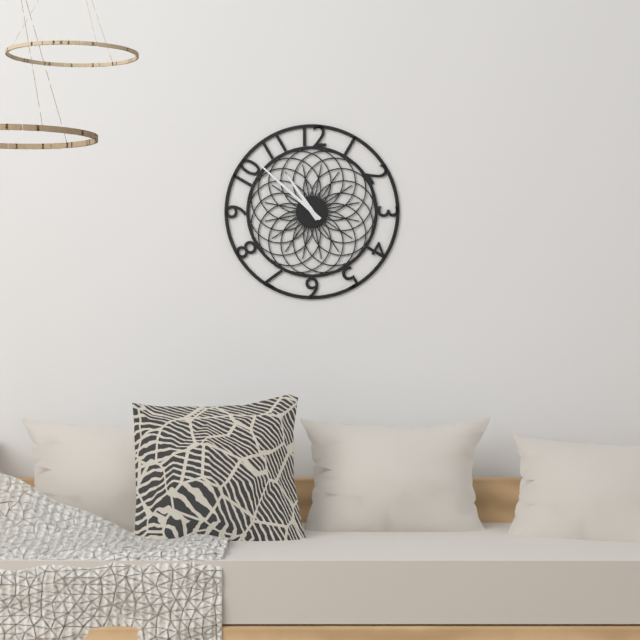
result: 10.52
